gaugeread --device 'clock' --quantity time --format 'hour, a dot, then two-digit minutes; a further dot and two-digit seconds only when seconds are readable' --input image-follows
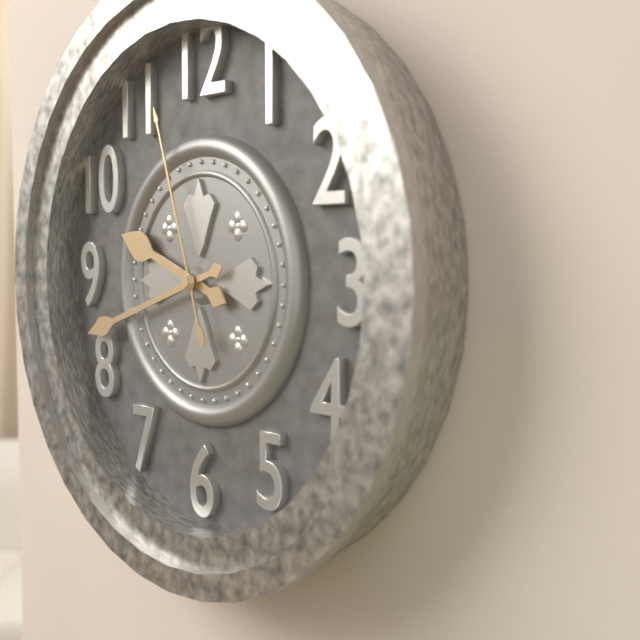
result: 9.42.57
